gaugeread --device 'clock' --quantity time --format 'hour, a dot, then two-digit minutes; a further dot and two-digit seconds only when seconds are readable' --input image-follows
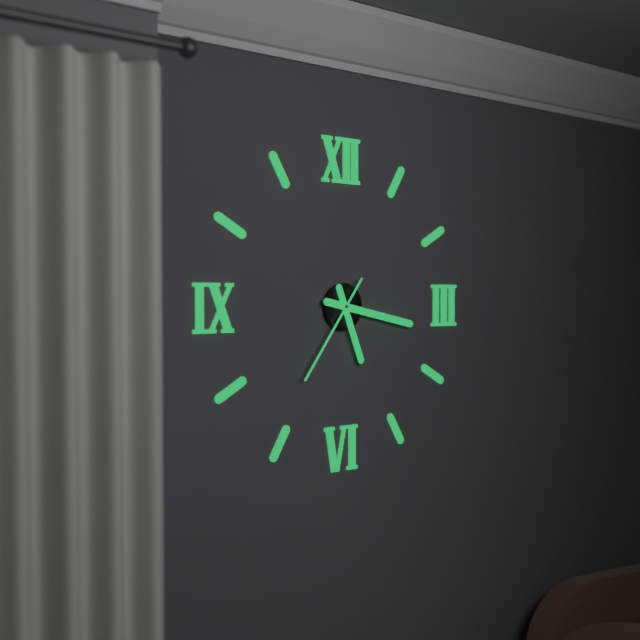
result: 5.17.36
